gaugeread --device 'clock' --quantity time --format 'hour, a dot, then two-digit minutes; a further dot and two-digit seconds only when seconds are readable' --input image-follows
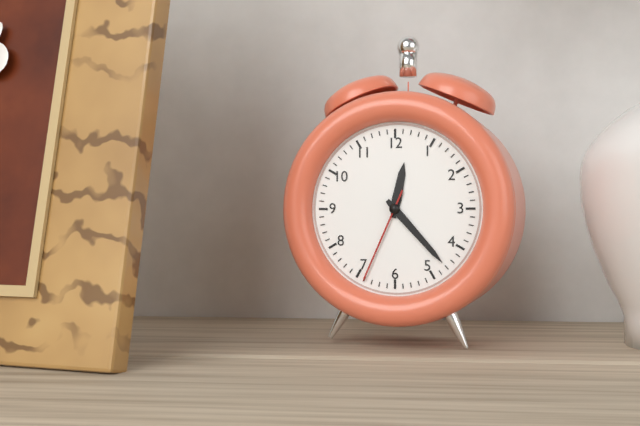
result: 12.23.34
